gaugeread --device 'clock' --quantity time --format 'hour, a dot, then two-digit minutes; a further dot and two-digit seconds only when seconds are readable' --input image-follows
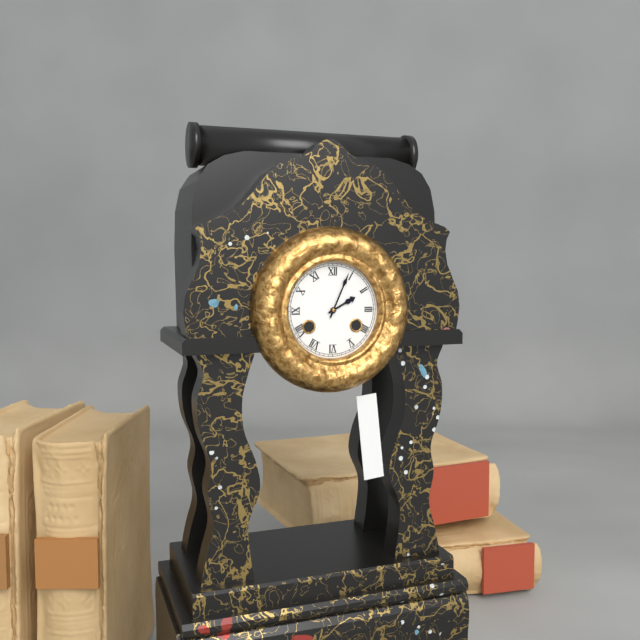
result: 2.04
